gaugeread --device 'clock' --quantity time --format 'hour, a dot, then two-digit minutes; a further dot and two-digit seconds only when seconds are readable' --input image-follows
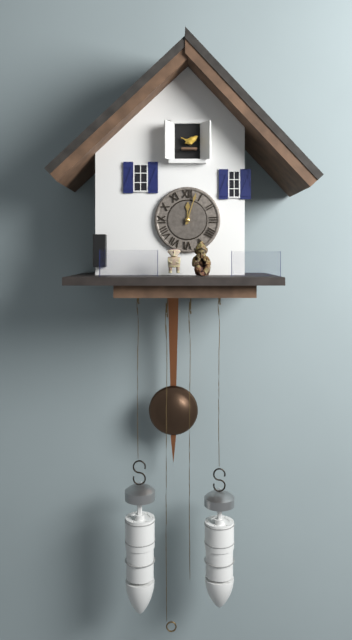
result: 12.03
